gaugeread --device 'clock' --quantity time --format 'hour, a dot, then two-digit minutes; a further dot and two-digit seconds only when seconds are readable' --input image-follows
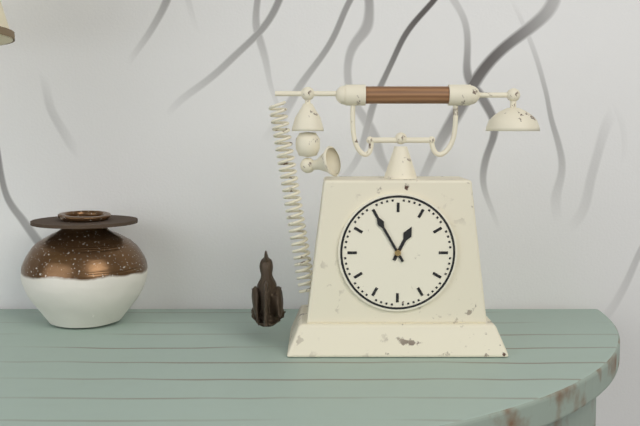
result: 12.55
